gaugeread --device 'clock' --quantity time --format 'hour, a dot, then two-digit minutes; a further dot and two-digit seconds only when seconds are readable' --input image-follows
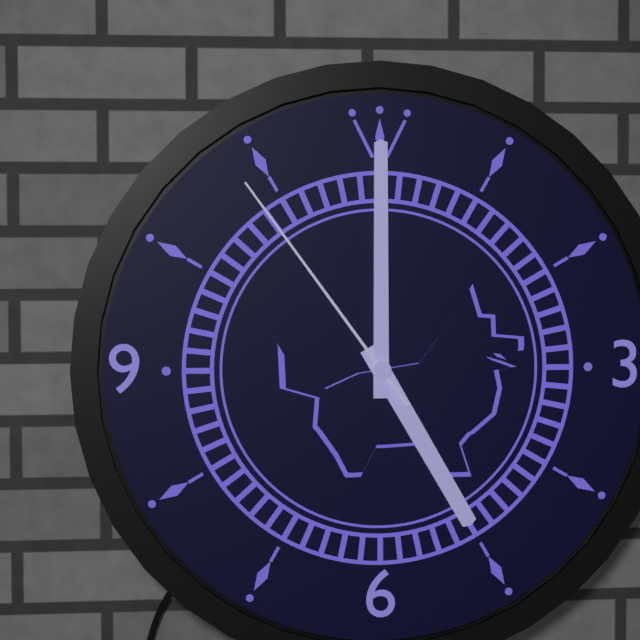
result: 5.00.54
